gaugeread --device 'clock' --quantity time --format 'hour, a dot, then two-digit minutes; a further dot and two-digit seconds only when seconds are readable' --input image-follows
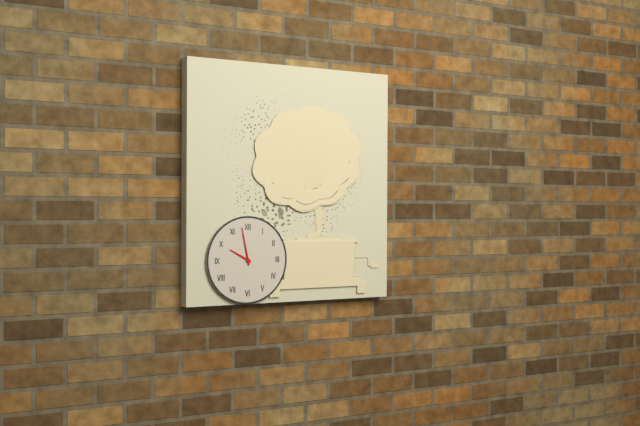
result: 9.58
